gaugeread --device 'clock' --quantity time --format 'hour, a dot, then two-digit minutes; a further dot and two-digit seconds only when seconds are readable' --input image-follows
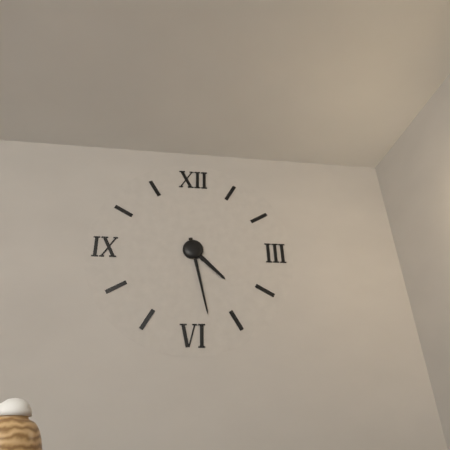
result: 4.28
